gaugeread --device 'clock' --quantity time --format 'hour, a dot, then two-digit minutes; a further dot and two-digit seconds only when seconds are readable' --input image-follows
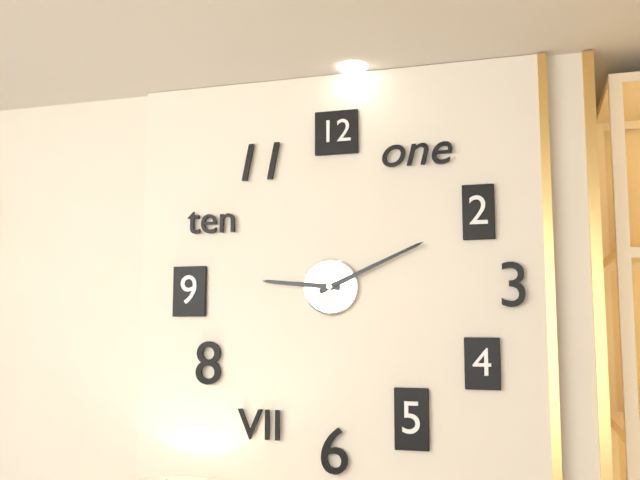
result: 9.11
